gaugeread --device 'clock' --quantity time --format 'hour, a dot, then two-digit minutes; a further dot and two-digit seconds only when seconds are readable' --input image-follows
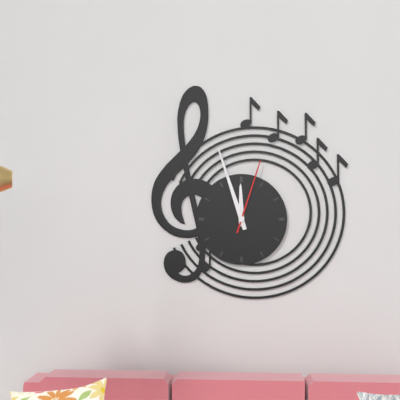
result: 11.57.03
